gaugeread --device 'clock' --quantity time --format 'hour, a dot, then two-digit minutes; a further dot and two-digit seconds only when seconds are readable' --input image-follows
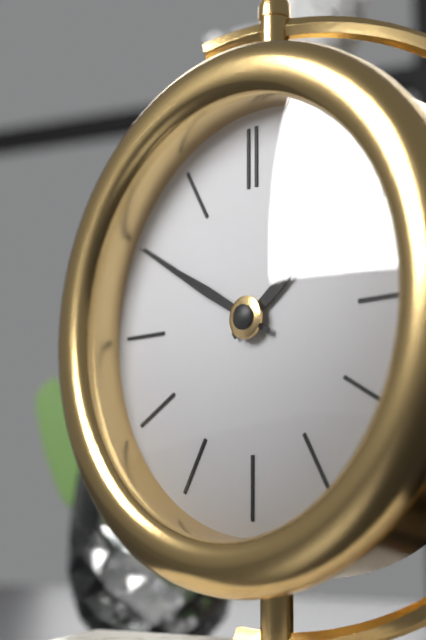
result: 1.50
